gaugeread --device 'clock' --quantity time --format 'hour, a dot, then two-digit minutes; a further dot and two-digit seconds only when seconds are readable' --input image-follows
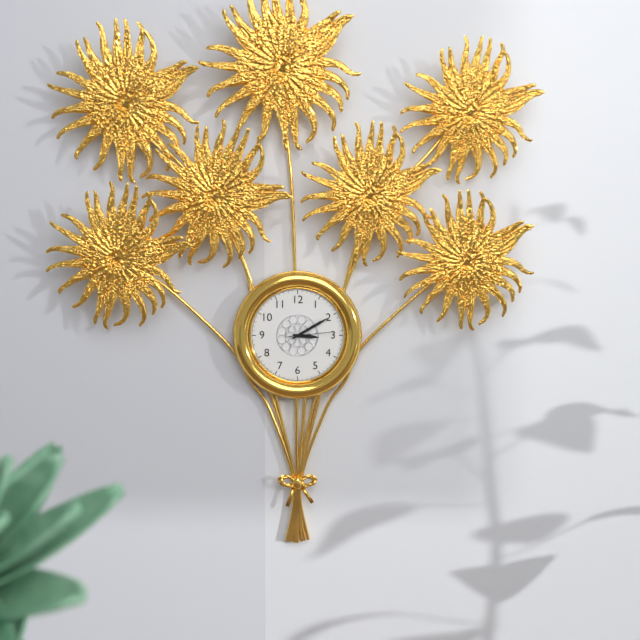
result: 3.10
